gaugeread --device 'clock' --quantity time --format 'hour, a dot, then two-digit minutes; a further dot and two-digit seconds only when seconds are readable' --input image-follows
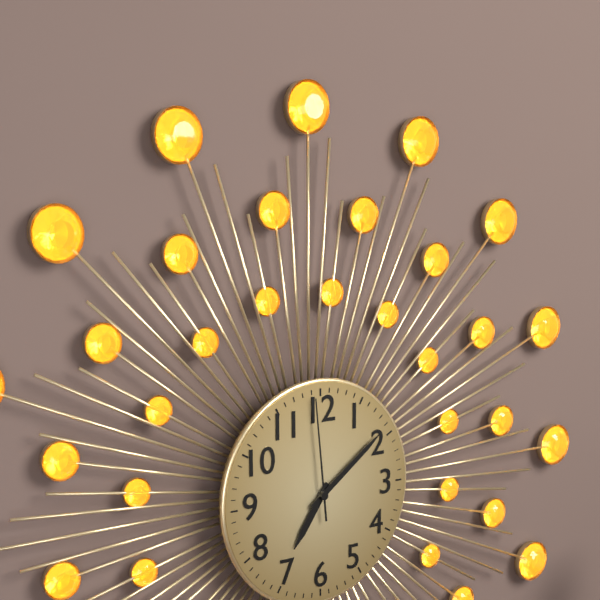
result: 7.09.59
